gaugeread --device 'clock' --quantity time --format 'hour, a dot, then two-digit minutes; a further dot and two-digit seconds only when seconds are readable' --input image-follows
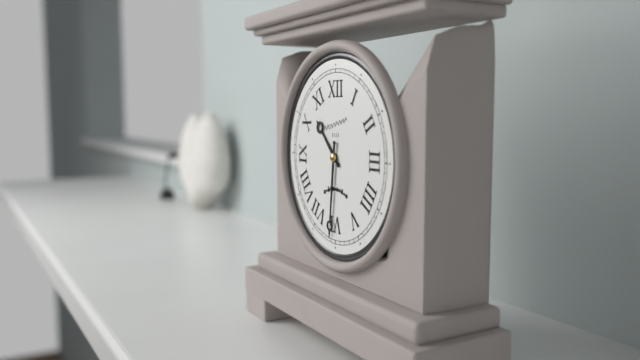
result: 10.31
